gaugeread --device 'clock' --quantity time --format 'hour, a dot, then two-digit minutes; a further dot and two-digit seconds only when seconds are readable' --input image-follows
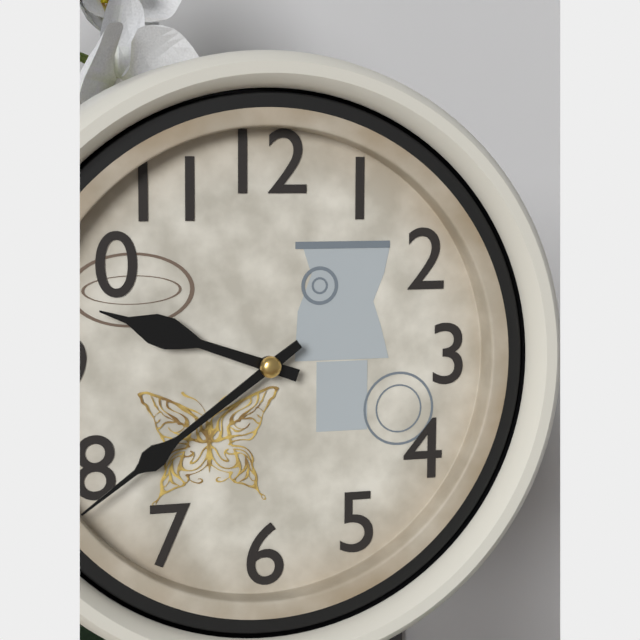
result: 9.39
